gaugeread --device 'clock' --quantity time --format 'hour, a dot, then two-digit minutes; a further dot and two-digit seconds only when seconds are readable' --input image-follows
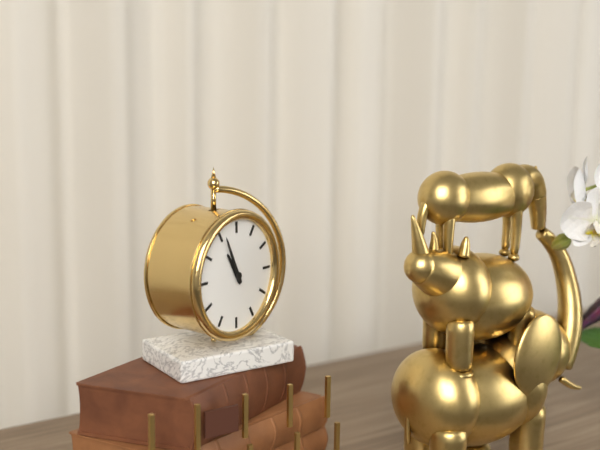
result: 10.56
